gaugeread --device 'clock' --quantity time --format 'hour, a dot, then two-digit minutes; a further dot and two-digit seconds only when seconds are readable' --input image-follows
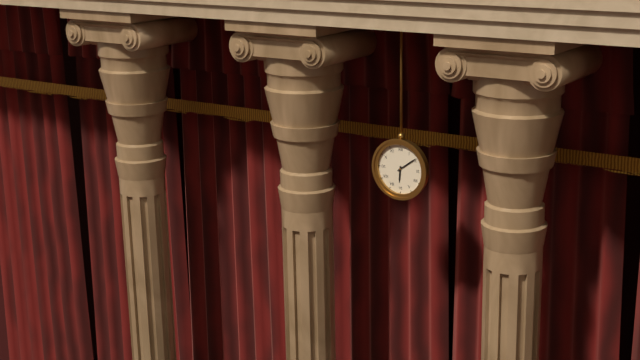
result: 6.09
